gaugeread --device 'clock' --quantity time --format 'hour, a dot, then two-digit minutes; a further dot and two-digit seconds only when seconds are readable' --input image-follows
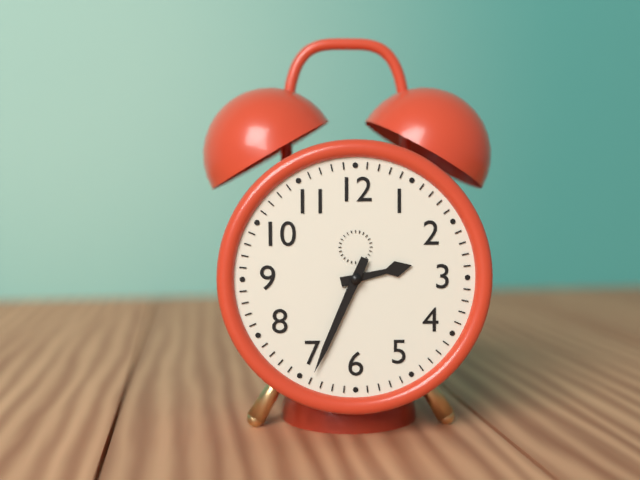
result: 2.34
